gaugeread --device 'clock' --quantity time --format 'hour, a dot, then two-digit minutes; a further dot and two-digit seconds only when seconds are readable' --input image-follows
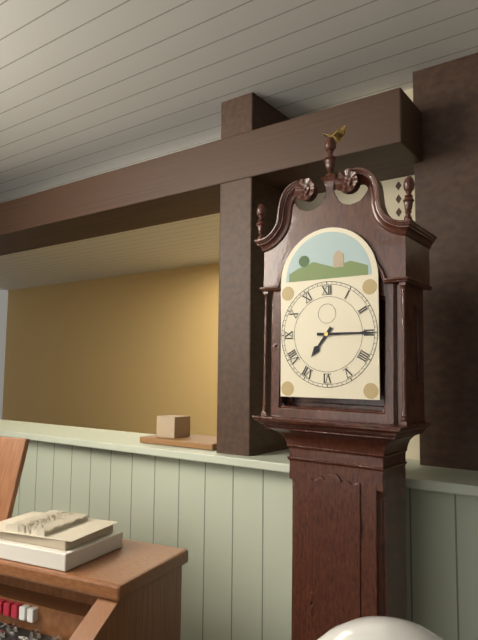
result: 7.15
